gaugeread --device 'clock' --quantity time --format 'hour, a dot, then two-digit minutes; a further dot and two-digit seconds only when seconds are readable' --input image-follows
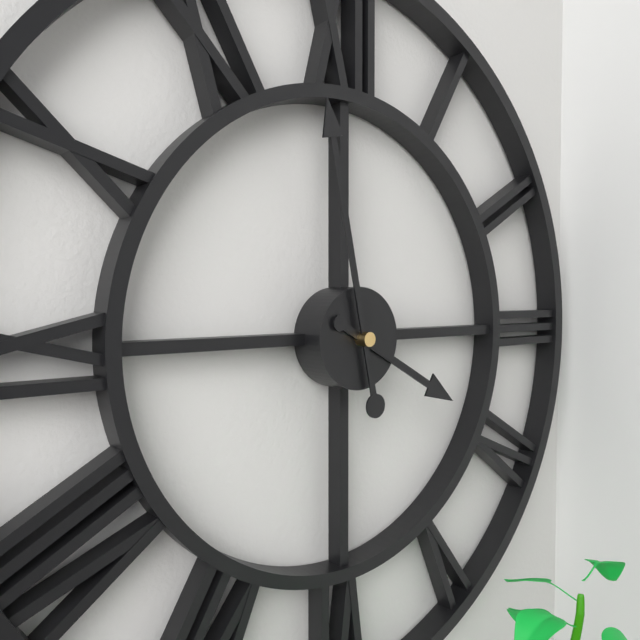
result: 3.58
